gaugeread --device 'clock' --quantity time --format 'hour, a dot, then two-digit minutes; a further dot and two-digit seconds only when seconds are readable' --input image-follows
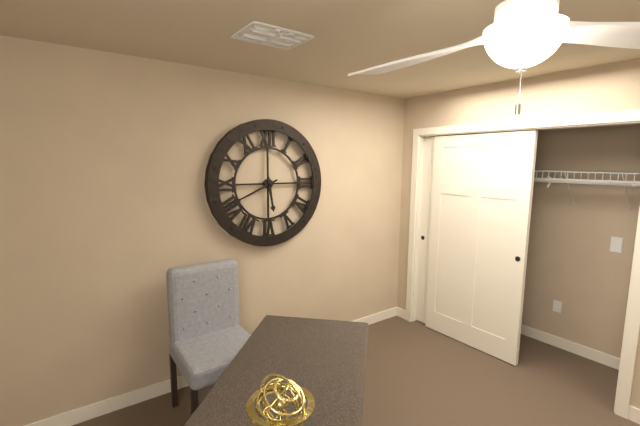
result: 5.41
